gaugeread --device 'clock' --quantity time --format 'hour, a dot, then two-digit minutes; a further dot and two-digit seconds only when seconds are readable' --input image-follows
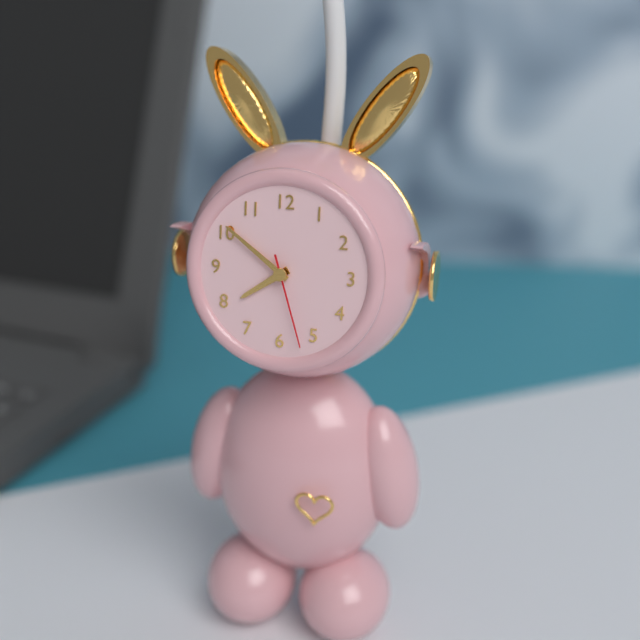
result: 7.51.27
